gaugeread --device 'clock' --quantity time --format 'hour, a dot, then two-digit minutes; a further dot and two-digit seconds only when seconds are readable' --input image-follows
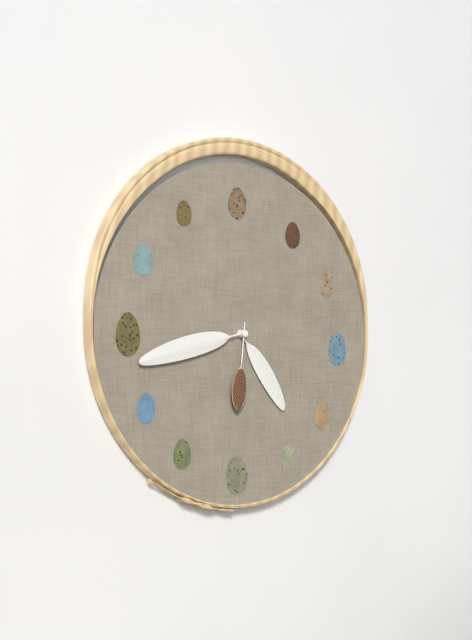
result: 4.43.31
